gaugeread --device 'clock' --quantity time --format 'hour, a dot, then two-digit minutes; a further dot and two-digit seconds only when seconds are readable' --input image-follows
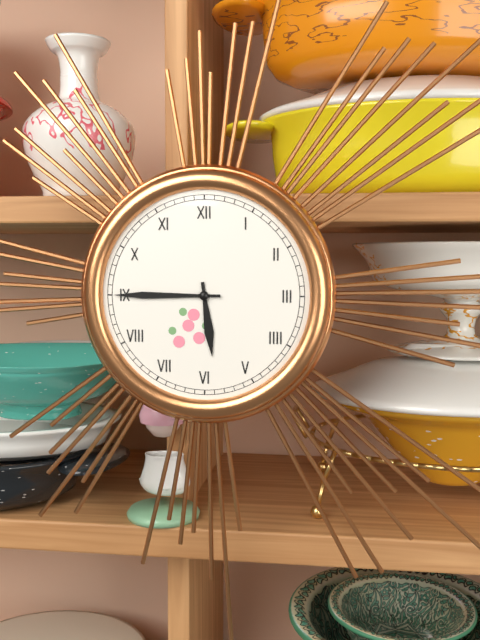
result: 5.45
